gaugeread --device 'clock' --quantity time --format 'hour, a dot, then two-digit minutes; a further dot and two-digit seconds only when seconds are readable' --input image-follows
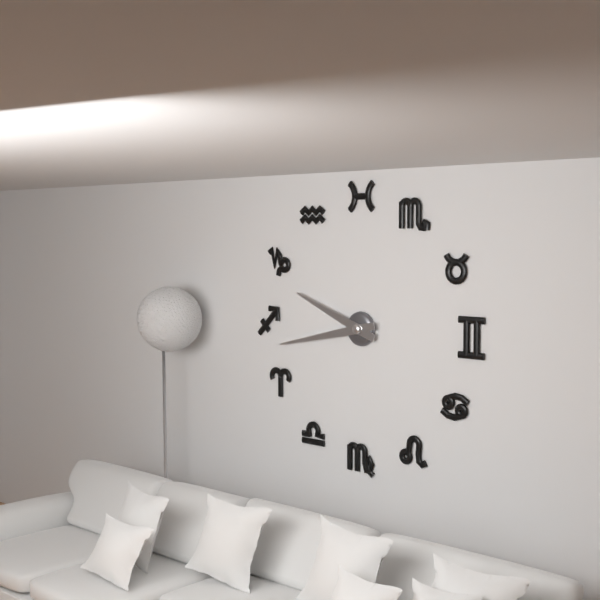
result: 9.43
